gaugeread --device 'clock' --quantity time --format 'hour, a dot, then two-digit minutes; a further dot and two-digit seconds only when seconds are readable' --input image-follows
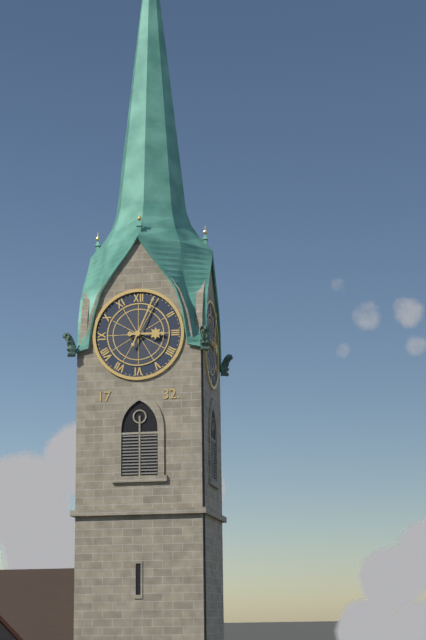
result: 3.04
